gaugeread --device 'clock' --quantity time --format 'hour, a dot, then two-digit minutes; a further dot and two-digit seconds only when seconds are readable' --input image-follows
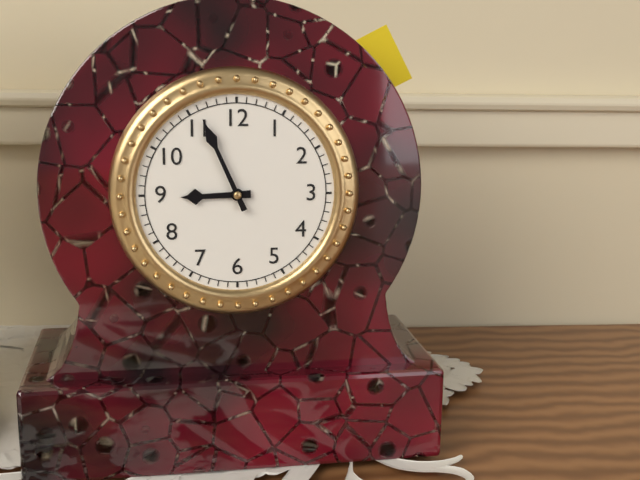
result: 8.56
